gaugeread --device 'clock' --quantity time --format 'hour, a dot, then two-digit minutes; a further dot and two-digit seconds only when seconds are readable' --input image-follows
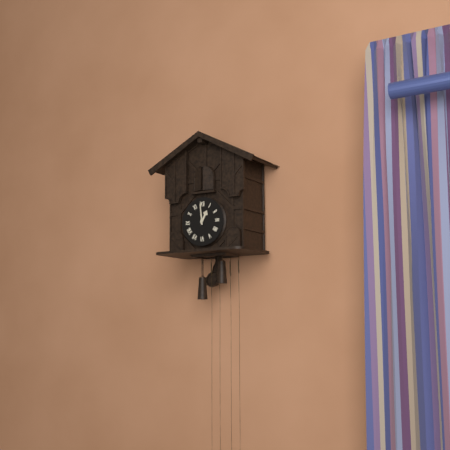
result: 12.59
